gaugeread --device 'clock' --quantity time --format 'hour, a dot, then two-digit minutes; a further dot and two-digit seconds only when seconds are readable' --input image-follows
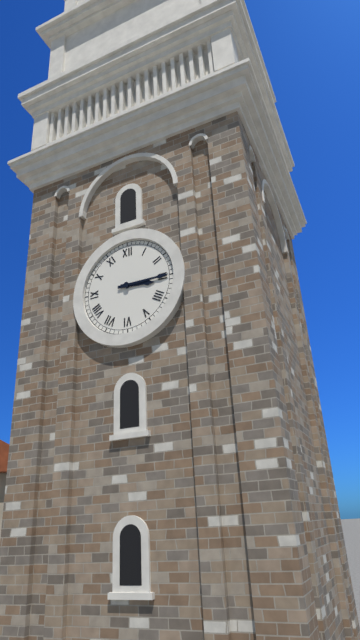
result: 3.15
